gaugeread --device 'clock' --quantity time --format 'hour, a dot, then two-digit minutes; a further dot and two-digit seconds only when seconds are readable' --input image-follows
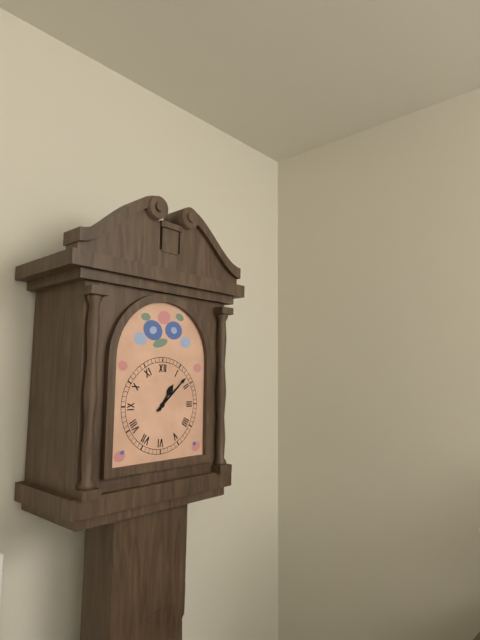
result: 1.08
